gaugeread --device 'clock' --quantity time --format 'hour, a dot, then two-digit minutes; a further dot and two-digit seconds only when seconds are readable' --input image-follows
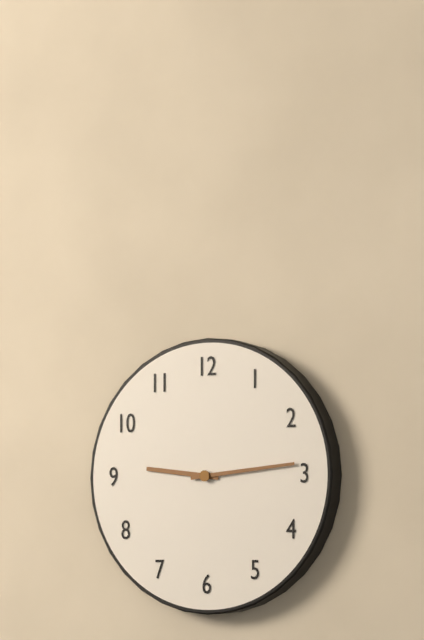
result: 9.14
